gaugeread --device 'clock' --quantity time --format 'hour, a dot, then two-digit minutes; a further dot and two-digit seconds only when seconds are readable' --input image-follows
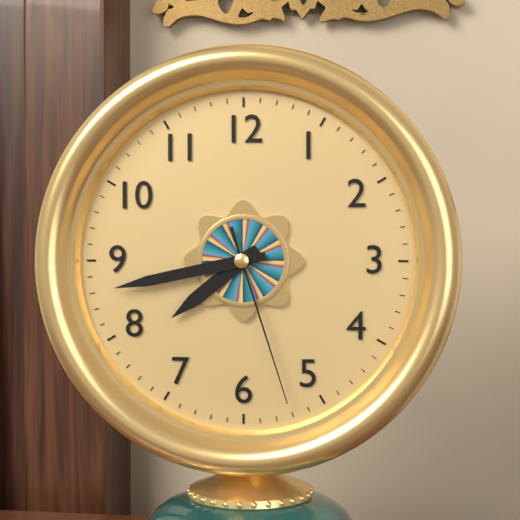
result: 7.43.27
